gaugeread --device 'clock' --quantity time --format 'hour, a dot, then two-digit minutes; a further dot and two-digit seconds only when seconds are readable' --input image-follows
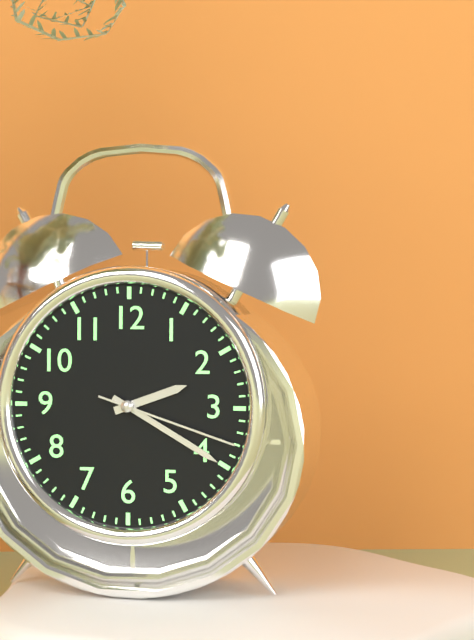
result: 2.20.18
